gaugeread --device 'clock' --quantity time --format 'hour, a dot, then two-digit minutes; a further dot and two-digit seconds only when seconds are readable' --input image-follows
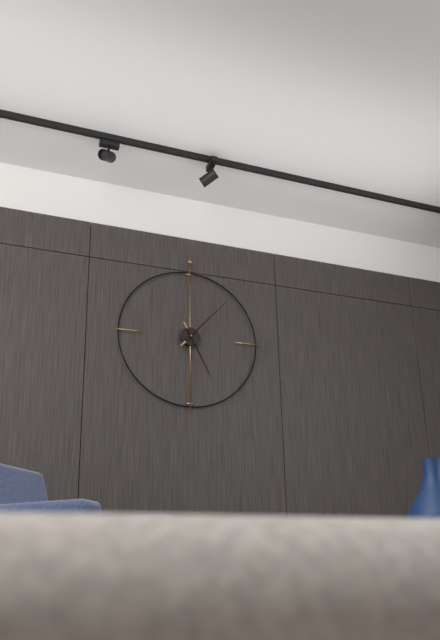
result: 5.07
